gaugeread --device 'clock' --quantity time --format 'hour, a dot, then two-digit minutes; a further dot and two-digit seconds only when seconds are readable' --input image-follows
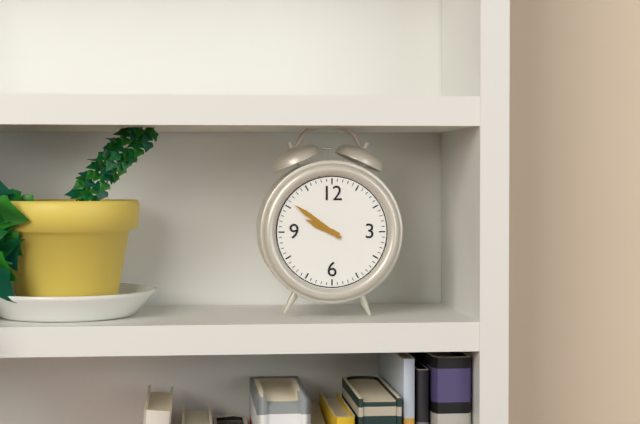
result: 9.51
